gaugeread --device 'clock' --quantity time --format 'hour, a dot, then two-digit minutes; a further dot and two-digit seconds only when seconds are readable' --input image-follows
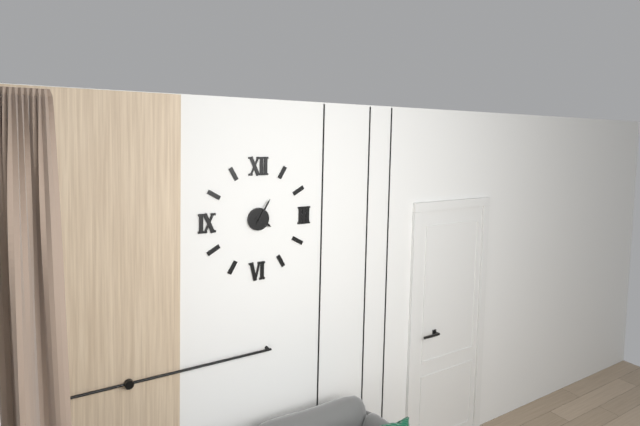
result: 4.05
